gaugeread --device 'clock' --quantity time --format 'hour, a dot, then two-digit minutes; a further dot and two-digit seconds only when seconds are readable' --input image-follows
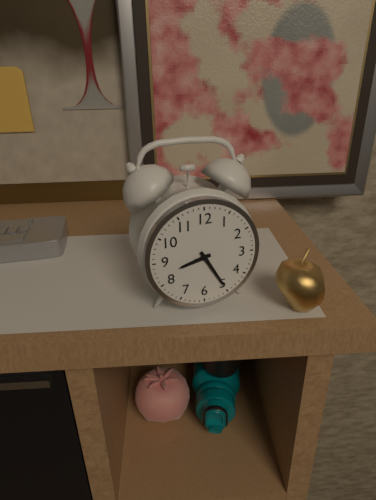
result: 8.25
